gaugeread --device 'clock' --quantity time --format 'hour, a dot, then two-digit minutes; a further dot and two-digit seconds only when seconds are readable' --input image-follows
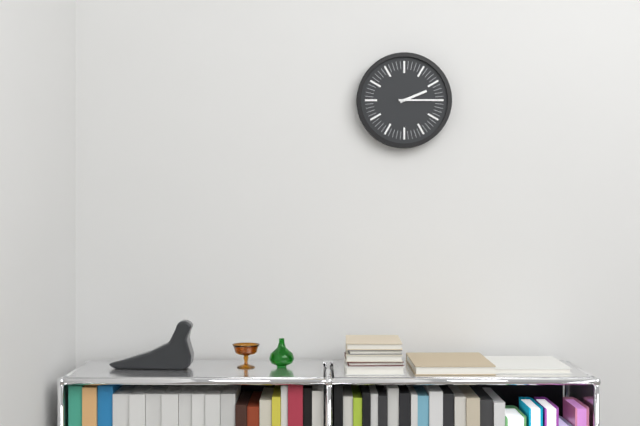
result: 2.15
